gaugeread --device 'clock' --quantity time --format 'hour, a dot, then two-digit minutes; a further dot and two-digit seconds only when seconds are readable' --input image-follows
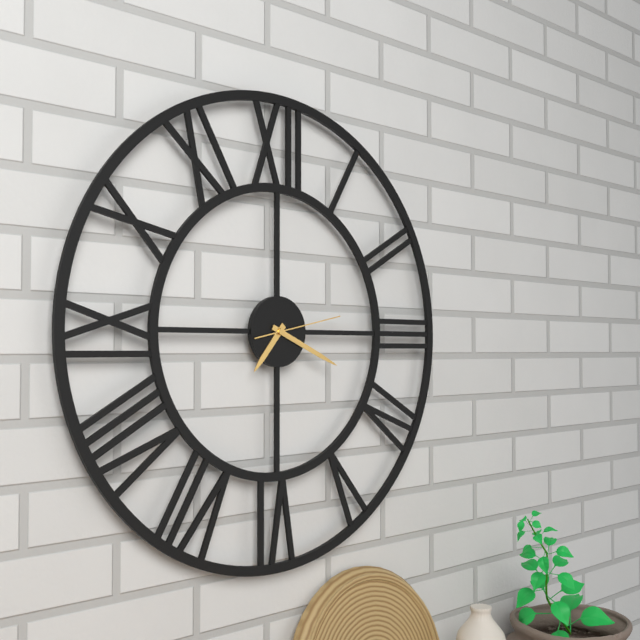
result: 7.19.13
